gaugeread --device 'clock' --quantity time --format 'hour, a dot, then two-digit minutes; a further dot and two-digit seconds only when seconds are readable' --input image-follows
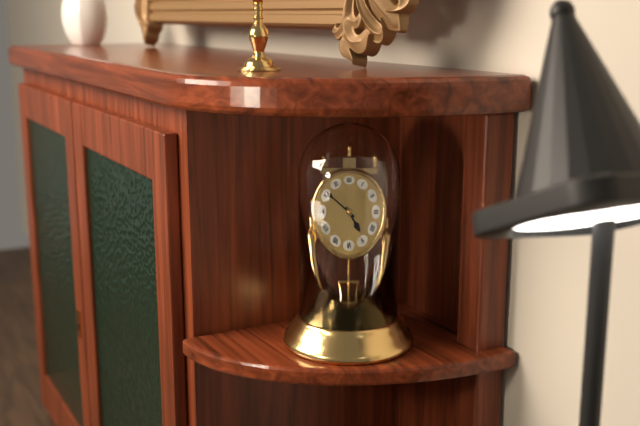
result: 4.51
